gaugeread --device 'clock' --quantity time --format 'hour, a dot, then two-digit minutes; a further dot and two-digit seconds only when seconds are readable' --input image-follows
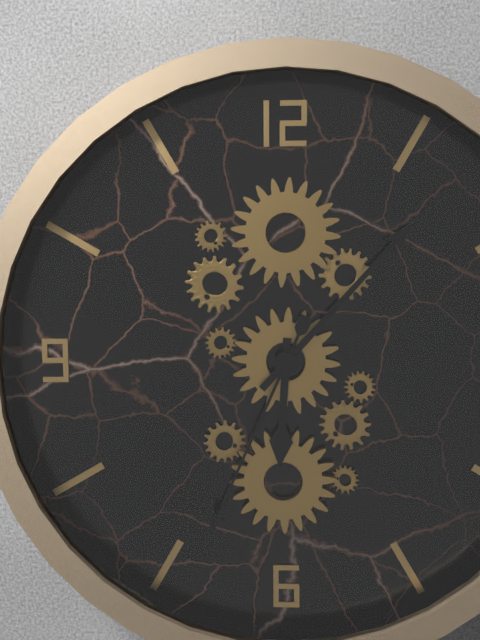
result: 6.07.34
